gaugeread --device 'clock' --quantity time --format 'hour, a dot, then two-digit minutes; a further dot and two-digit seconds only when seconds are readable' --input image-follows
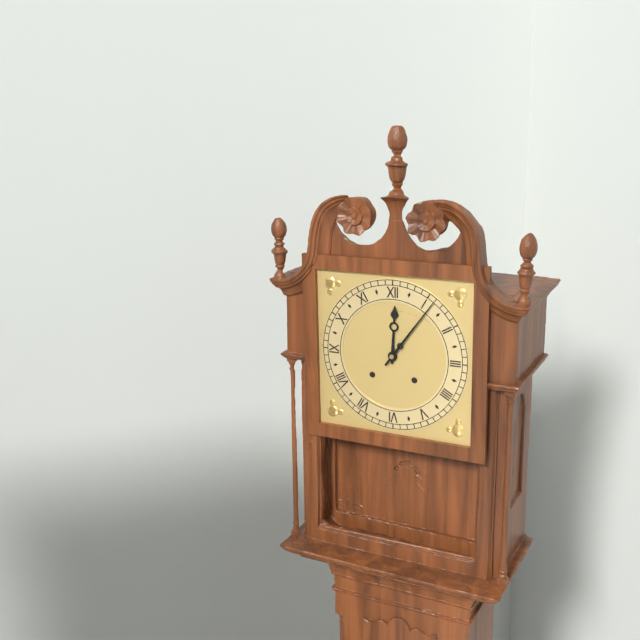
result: 12.06
